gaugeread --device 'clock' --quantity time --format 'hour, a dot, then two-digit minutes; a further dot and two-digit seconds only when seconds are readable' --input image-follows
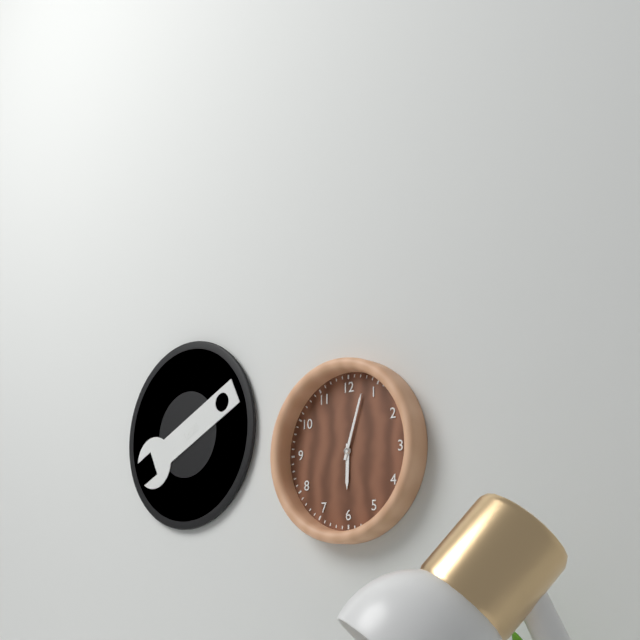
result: 6.03
